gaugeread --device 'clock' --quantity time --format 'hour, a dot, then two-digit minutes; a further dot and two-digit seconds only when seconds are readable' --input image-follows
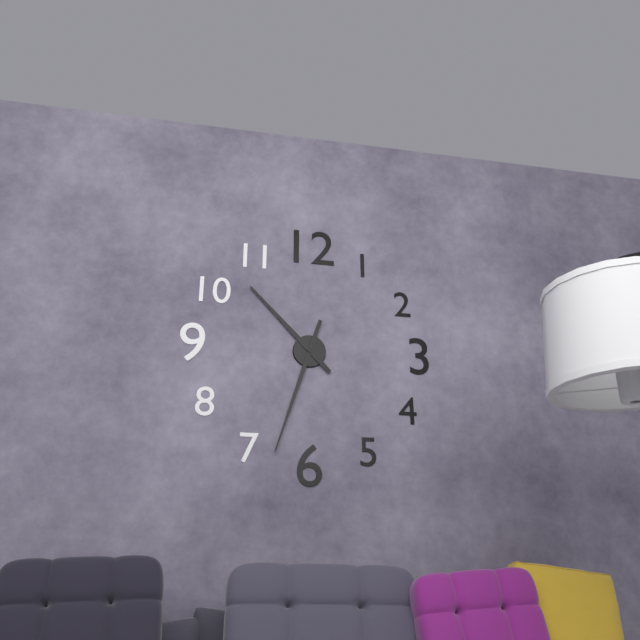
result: 10.33
